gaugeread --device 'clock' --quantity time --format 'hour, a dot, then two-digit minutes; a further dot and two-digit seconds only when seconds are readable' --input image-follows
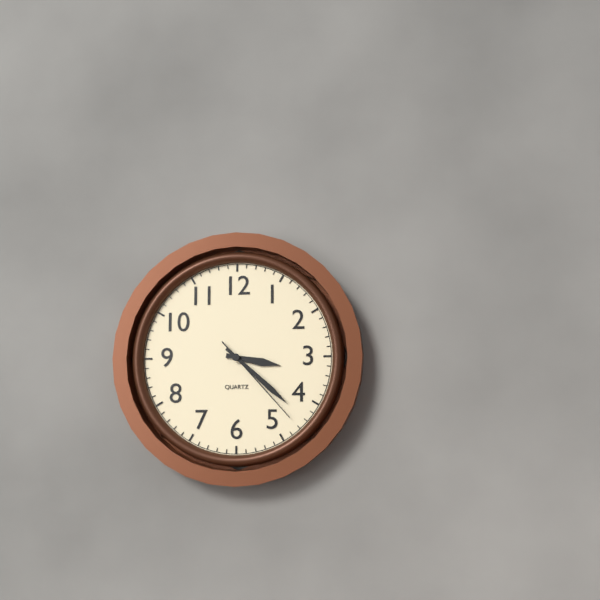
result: 3.22.23
